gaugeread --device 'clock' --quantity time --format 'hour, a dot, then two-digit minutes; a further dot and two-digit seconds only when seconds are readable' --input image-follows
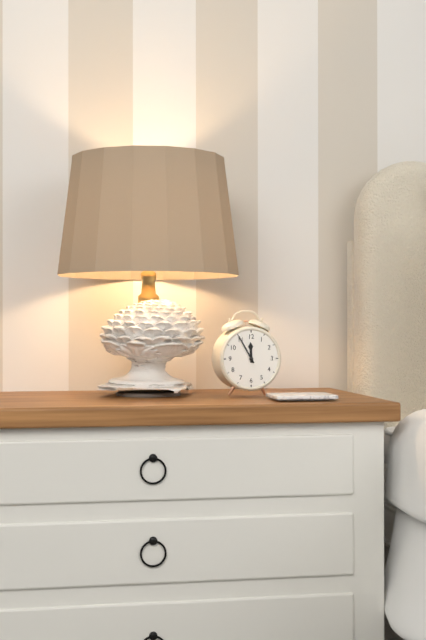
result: 11.55
